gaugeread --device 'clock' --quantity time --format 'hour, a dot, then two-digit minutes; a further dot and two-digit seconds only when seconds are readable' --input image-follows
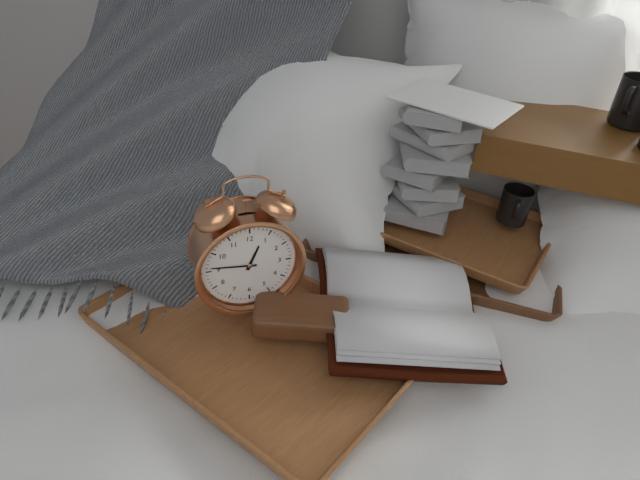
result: 12.46
